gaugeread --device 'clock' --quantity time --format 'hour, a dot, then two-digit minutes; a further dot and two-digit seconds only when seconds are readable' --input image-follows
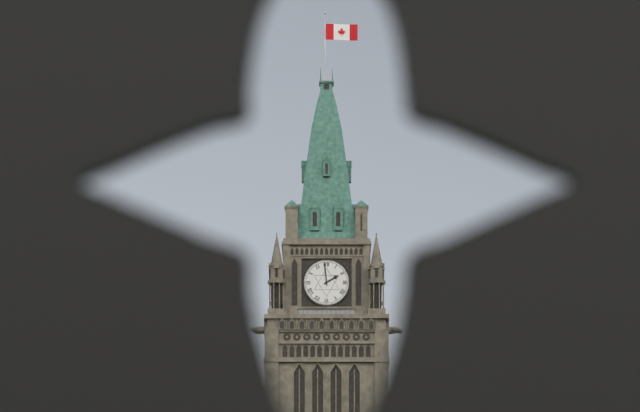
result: 1.59
